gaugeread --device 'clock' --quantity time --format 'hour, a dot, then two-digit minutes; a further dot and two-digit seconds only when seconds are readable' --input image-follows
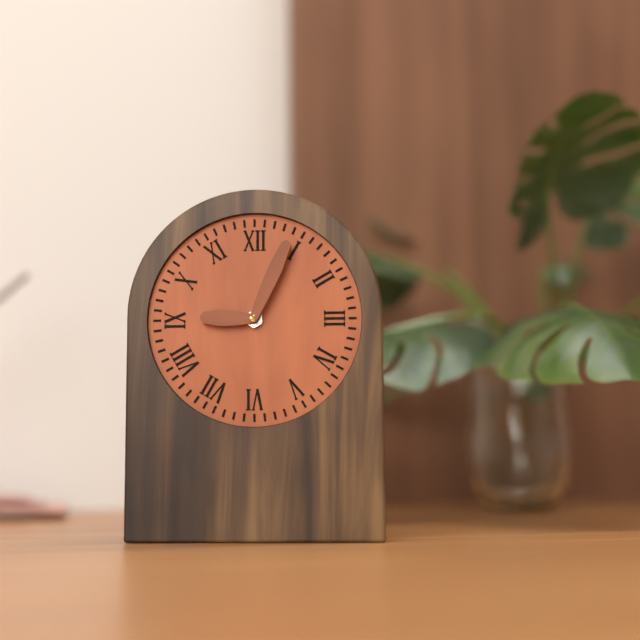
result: 9.04
